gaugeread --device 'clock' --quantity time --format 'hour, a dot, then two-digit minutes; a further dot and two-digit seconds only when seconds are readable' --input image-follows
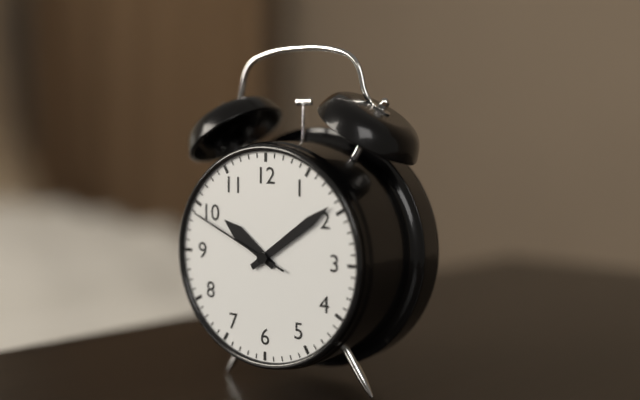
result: 10.09.49
